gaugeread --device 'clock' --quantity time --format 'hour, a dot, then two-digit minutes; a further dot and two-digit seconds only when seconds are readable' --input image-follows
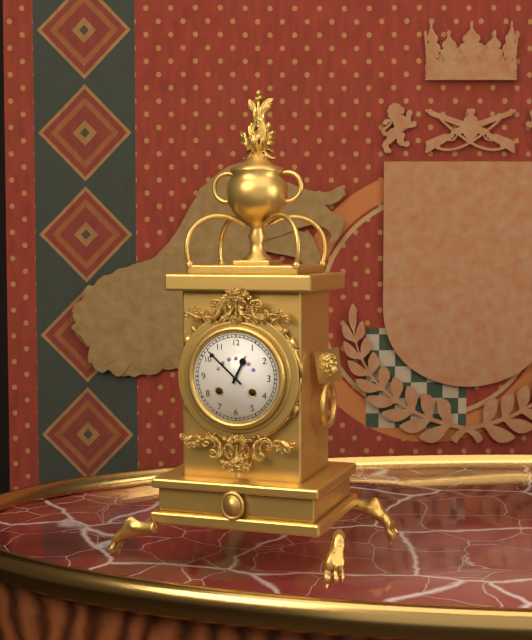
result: 12.52
